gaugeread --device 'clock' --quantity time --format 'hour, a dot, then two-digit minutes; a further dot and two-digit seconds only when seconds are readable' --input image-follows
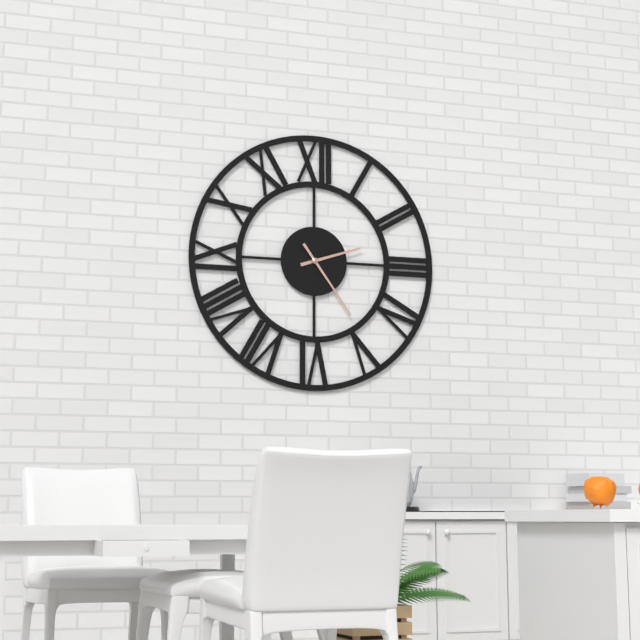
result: 2.24
